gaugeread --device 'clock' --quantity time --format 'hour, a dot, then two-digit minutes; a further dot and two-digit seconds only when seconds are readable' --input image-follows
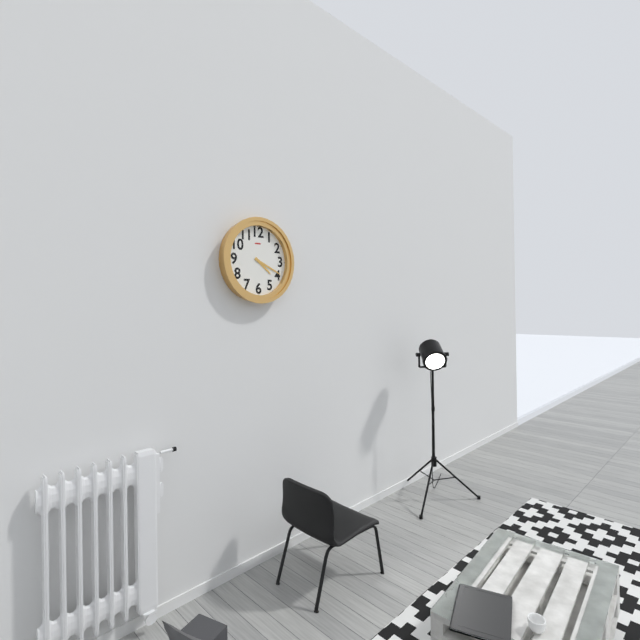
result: 4.19
